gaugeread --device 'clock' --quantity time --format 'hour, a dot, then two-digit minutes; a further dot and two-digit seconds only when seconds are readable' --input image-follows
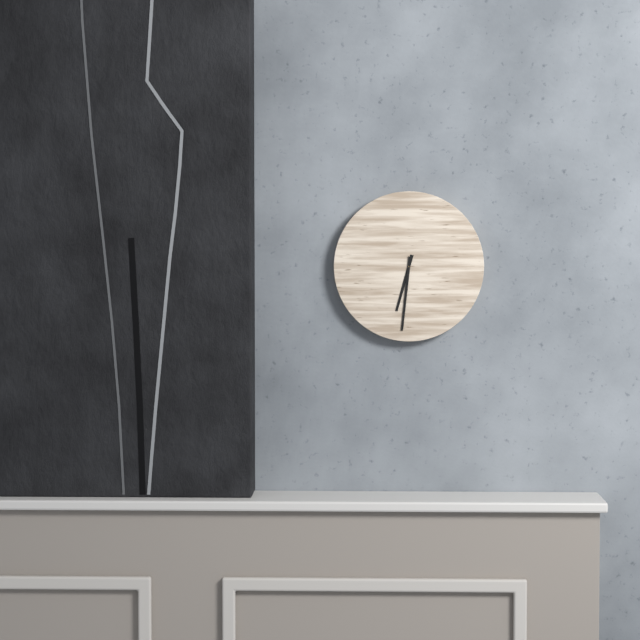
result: 6.31
